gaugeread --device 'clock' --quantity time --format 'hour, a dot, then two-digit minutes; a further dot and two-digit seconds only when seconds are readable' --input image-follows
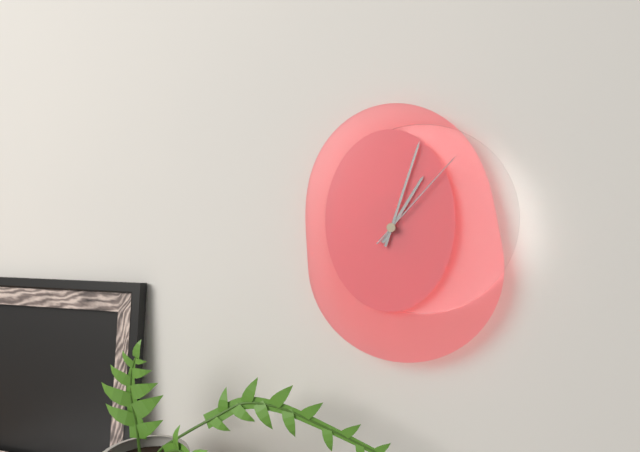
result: 1.03.07
